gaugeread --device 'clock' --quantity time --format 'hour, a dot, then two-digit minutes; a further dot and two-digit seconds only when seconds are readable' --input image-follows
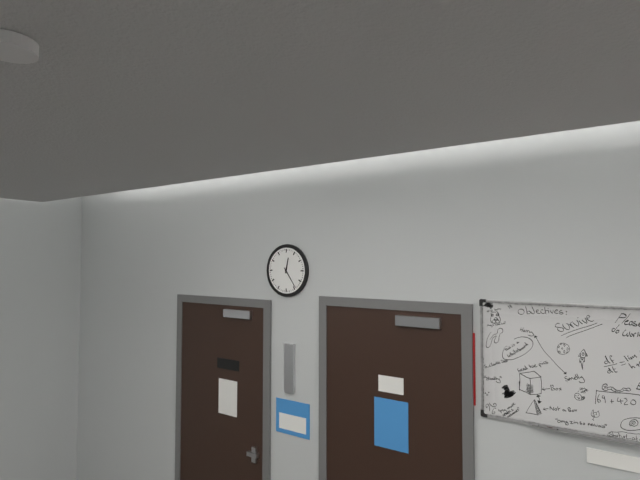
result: 12.24
